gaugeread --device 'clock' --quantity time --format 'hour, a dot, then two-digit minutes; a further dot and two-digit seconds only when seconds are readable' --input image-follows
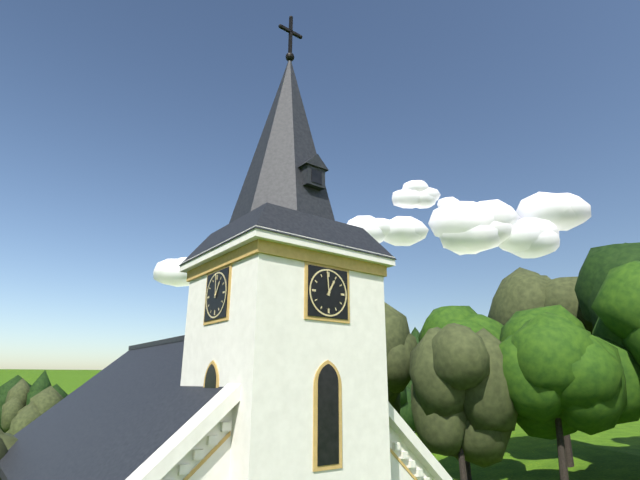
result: 12.59
